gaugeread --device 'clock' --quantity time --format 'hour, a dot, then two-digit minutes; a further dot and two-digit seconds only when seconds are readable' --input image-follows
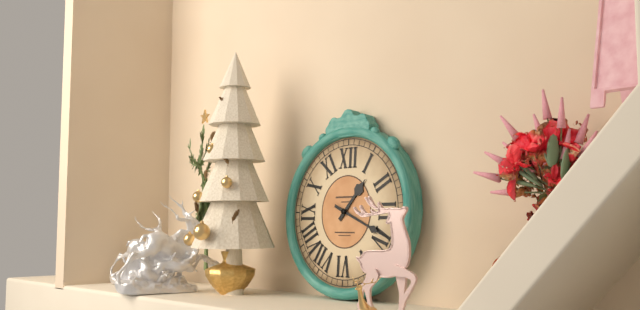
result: 1.19
